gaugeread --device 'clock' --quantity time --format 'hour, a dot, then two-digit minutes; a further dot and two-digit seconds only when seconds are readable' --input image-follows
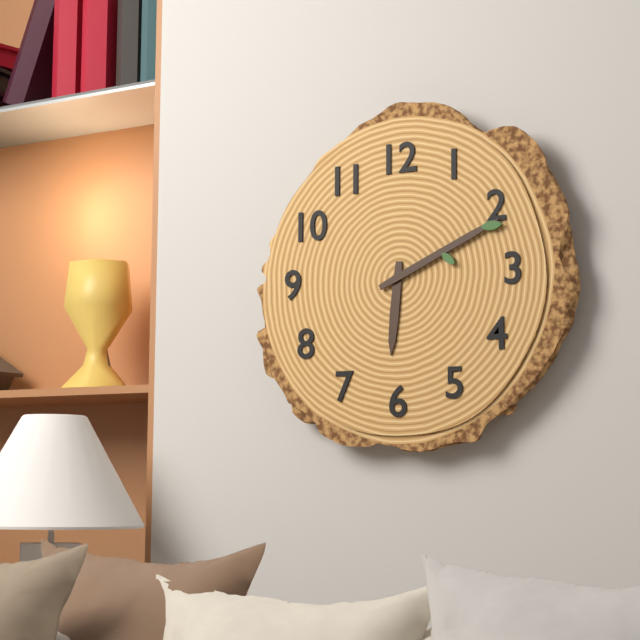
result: 6.11
